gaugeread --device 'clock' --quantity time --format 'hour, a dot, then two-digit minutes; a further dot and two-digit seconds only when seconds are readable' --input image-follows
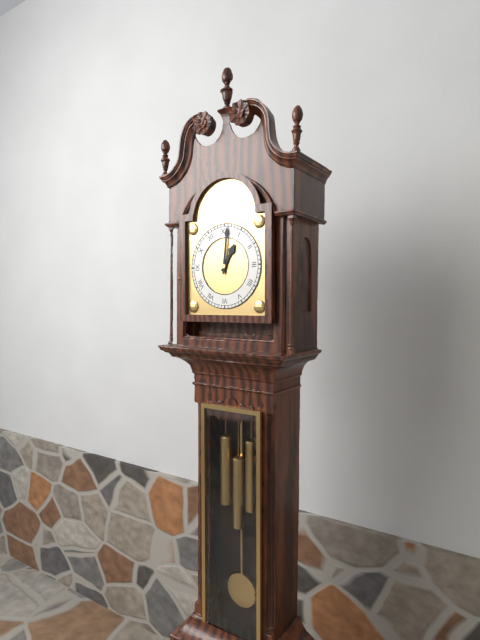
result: 1.01
